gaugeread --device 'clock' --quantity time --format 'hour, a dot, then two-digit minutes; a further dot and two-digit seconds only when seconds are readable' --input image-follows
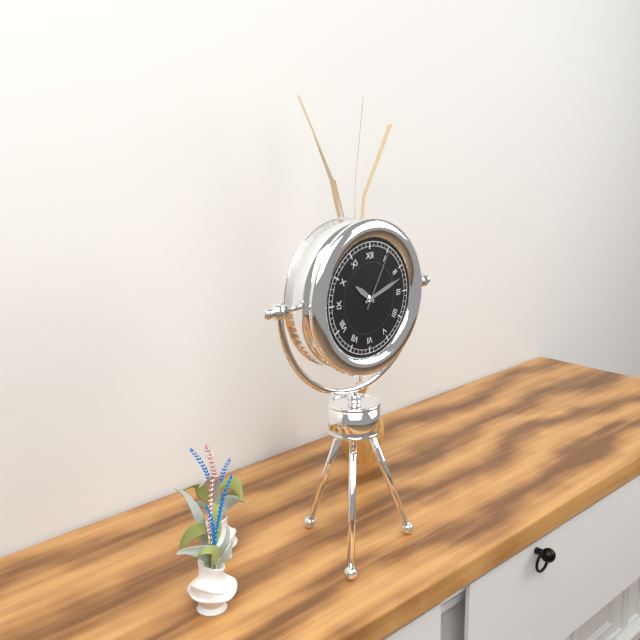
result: 10.12.05
